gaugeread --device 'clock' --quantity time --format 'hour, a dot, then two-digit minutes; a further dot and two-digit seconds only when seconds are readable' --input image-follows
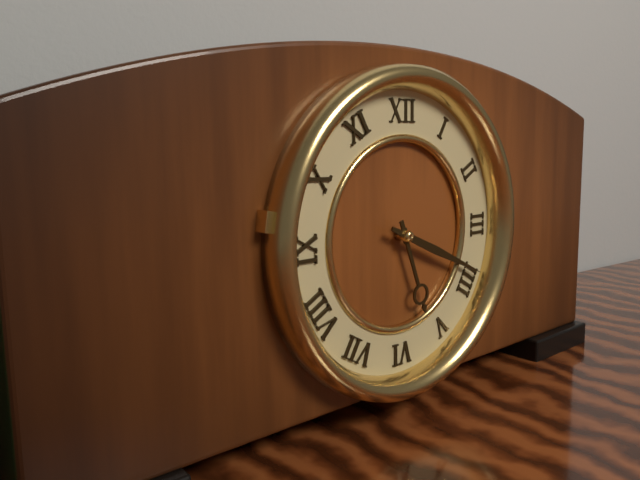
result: 5.19
